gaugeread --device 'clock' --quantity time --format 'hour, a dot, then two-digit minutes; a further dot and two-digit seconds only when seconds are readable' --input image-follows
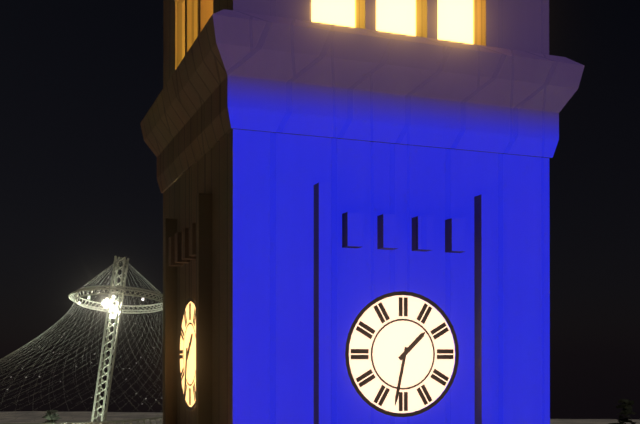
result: 1.32
